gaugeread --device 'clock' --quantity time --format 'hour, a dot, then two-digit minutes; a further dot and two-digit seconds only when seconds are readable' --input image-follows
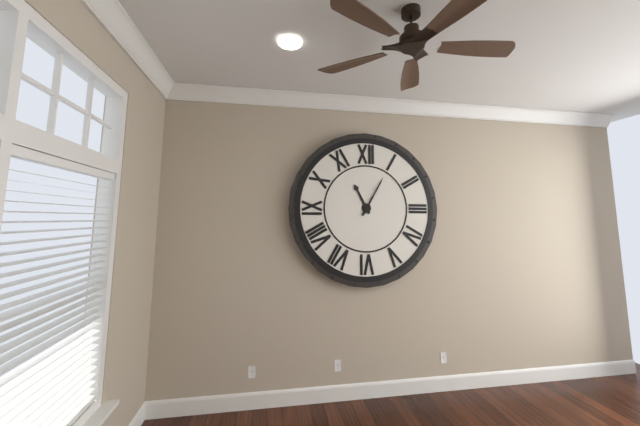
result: 11.05
